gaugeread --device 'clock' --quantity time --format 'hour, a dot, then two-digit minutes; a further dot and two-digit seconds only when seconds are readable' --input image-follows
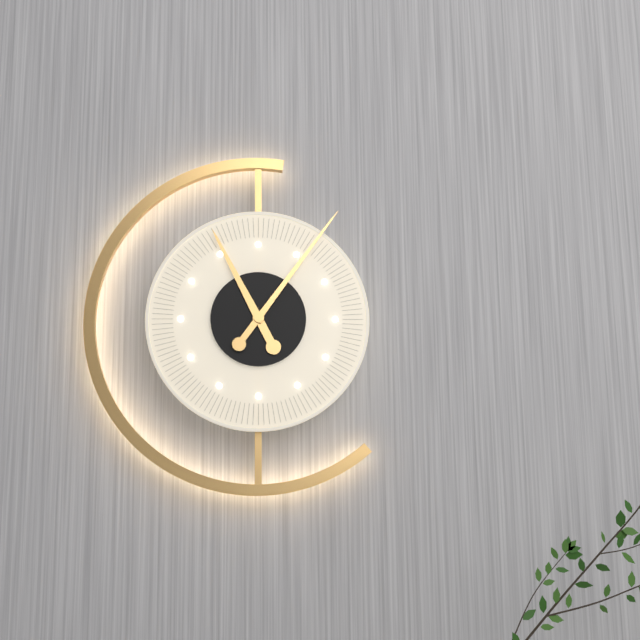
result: 11.06
